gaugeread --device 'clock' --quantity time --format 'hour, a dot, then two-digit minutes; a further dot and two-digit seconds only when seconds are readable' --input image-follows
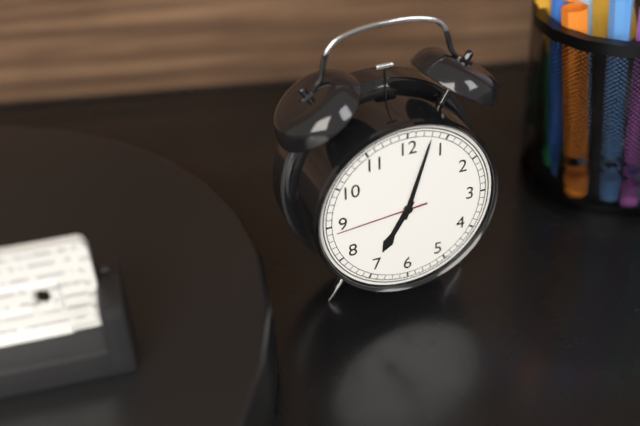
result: 7.03.44
